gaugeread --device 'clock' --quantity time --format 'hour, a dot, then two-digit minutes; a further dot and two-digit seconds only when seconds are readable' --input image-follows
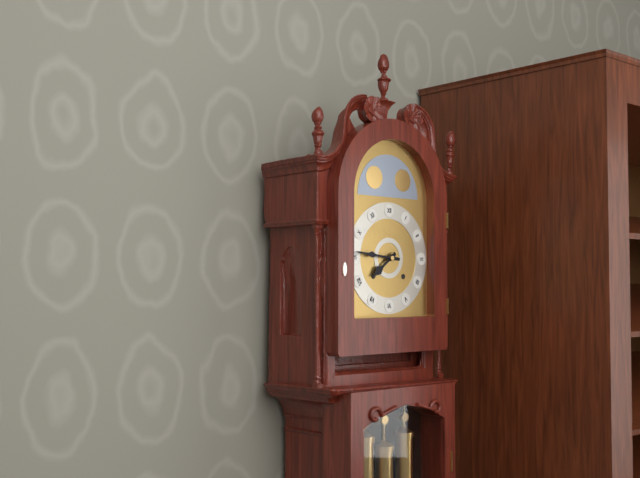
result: 7.46
